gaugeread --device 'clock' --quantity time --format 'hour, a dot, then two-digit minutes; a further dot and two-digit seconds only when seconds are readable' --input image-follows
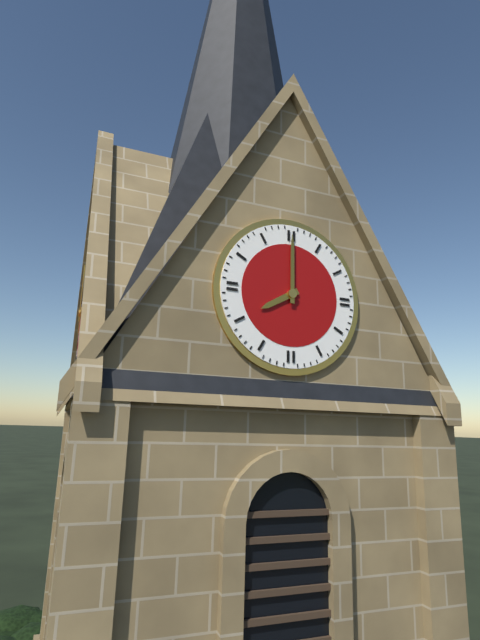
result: 8.00
